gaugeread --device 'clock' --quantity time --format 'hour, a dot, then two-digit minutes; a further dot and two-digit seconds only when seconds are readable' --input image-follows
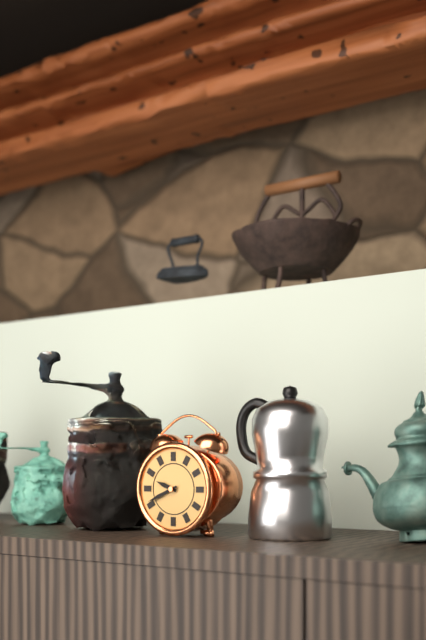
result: 9.41
